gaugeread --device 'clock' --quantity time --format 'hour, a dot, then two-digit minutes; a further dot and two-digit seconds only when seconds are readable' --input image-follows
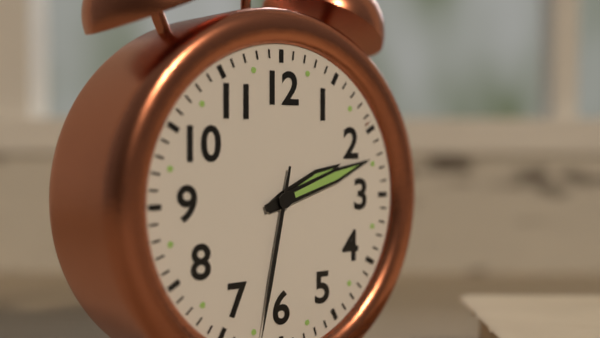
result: 2.12
